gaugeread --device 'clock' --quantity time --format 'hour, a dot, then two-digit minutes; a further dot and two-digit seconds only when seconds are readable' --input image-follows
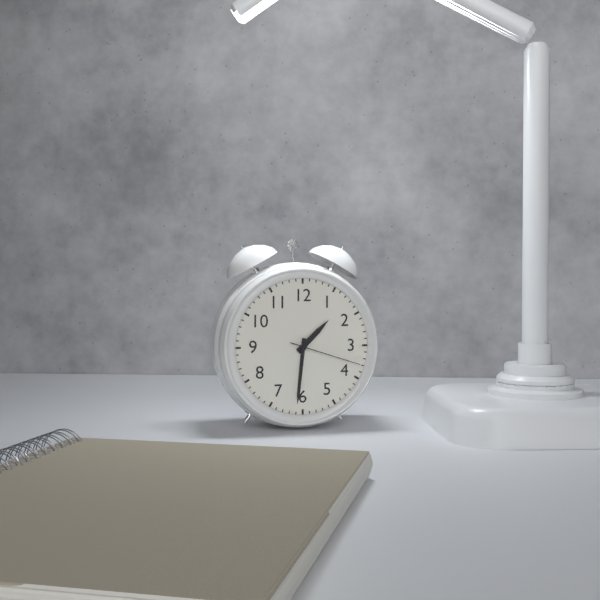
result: 1.31.18
